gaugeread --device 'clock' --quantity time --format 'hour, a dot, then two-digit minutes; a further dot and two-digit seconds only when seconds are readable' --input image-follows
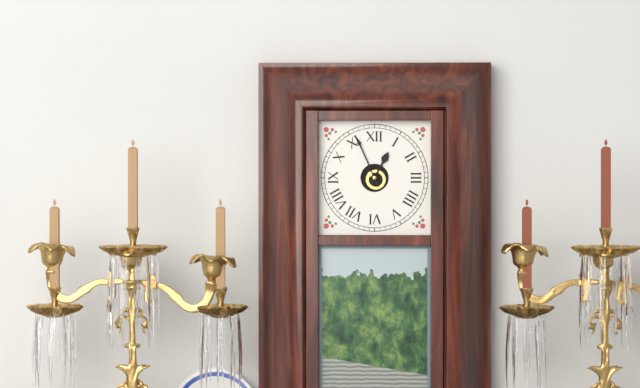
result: 12.56
